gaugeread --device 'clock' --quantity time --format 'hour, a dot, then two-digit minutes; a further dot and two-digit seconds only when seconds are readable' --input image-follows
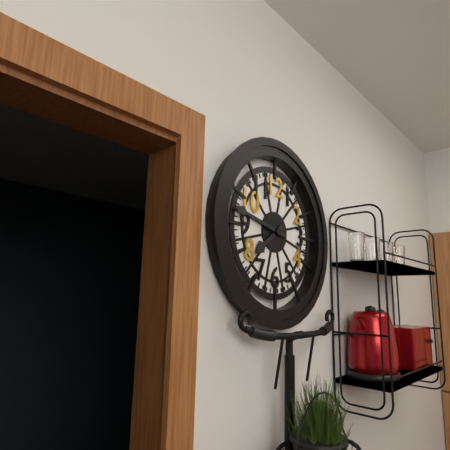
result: 7.47
